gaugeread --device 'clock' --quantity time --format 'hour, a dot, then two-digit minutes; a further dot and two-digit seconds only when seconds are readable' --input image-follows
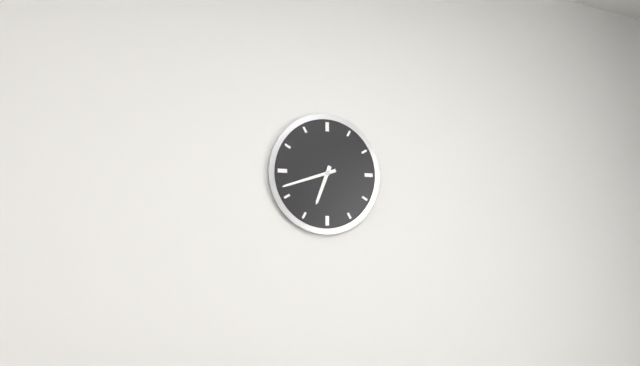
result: 6.42
